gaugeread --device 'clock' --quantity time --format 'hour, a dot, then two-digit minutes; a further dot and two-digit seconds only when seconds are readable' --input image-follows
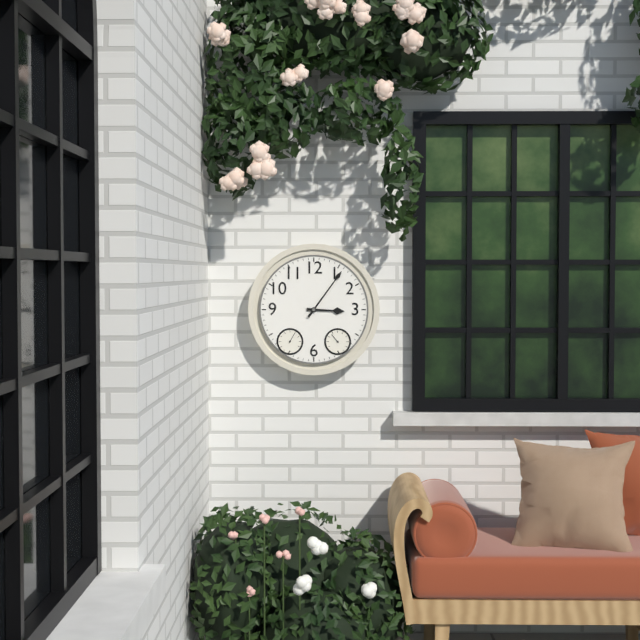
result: 3.06
